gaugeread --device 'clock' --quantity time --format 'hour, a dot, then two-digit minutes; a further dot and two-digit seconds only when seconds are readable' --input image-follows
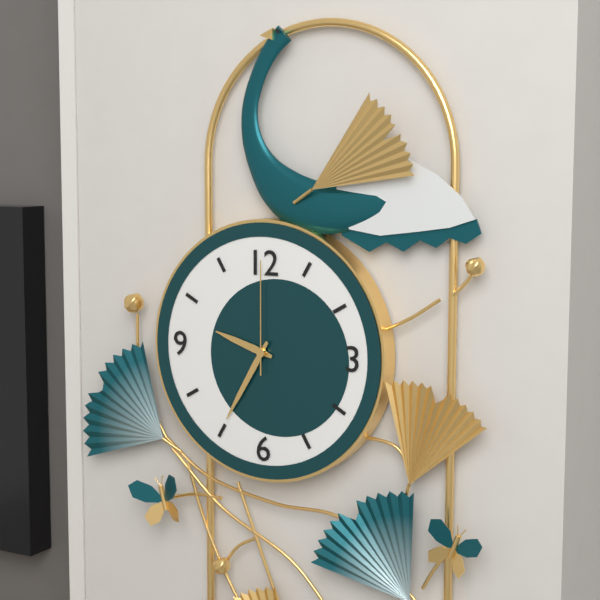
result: 9.35.00
